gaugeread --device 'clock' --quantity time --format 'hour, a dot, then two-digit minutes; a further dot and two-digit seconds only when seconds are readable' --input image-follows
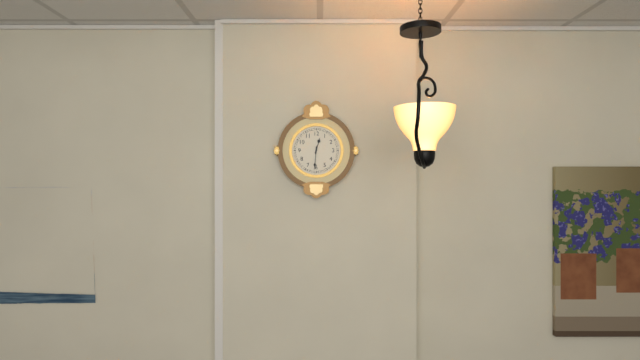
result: 12.31
